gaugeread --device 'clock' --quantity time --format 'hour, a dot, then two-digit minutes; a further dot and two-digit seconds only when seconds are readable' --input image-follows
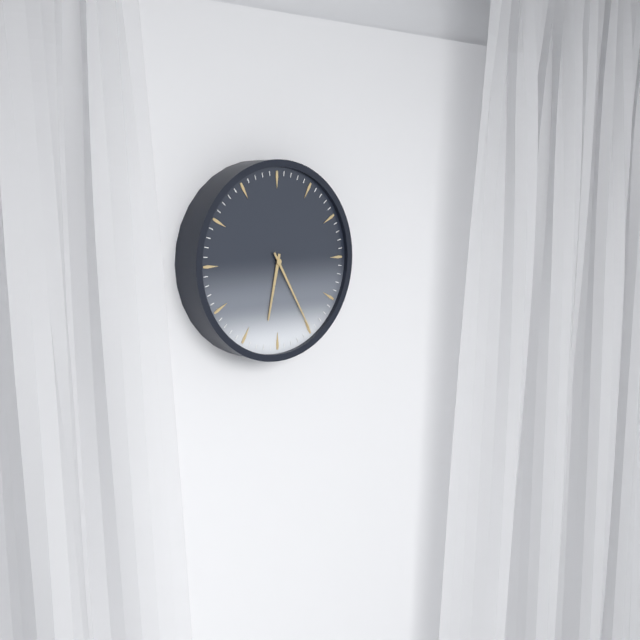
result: 6.25
